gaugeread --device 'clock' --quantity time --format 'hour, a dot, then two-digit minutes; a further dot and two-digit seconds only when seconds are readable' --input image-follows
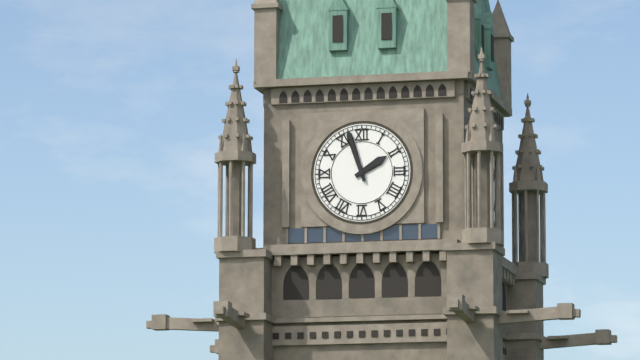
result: 1.57
